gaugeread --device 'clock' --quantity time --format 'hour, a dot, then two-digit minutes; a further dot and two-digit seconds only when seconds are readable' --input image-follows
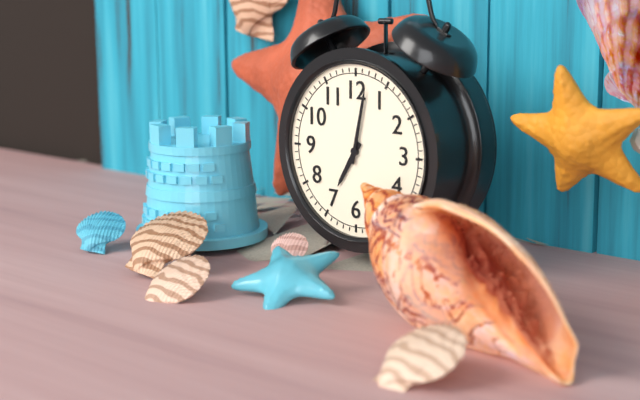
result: 7.02
